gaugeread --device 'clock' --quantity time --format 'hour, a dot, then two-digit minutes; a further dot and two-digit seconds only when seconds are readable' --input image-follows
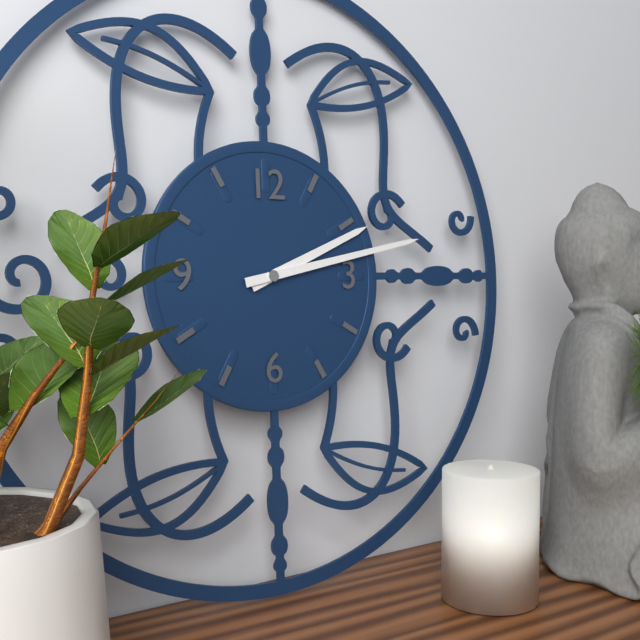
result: 2.13
